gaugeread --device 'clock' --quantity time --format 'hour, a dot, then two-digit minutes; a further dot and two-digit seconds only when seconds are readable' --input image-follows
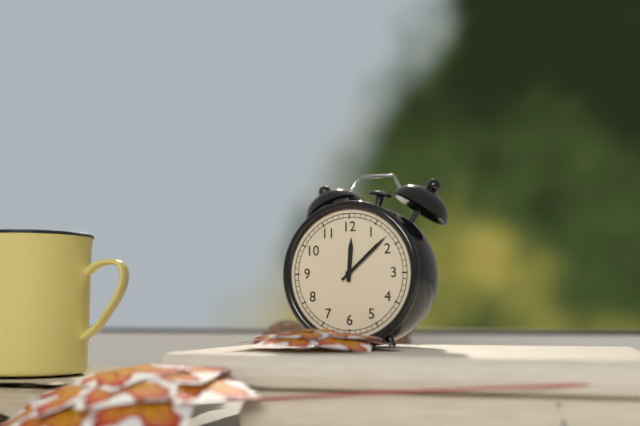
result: 12.08
